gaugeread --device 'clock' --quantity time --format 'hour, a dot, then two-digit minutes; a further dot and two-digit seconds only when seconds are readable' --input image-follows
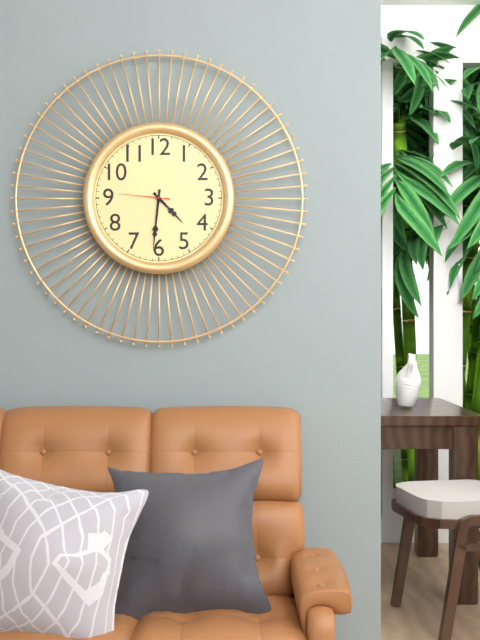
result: 4.31.46
